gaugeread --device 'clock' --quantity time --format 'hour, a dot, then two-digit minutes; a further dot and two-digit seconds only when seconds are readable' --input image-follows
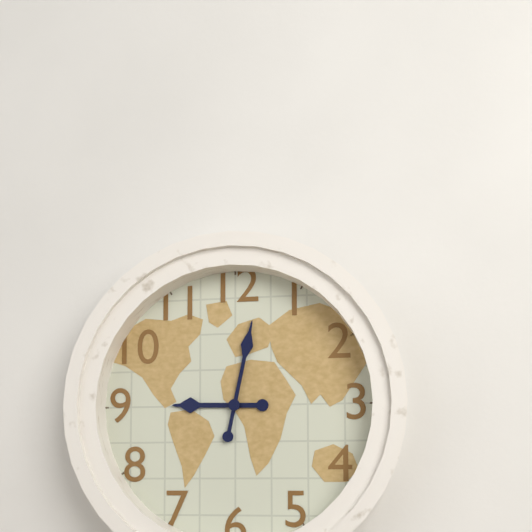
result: 9.02
